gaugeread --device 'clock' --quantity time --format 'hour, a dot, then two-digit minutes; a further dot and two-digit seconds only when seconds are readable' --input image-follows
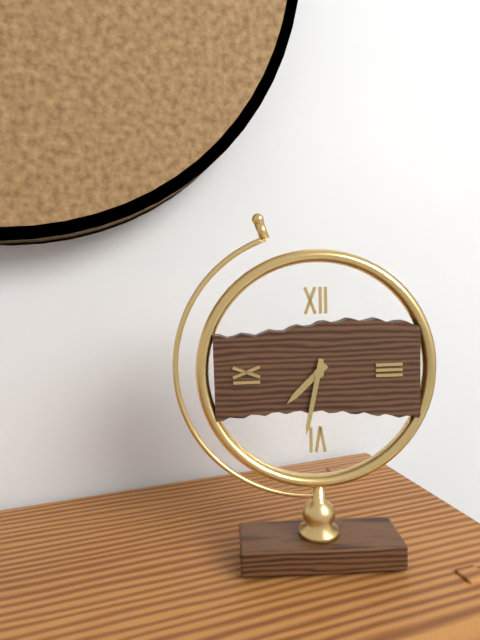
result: 7.32
